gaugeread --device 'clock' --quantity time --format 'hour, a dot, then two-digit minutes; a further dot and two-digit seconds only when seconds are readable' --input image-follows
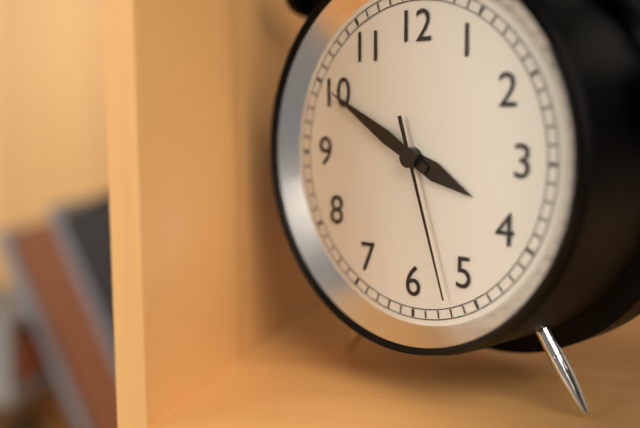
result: 3.50.27
